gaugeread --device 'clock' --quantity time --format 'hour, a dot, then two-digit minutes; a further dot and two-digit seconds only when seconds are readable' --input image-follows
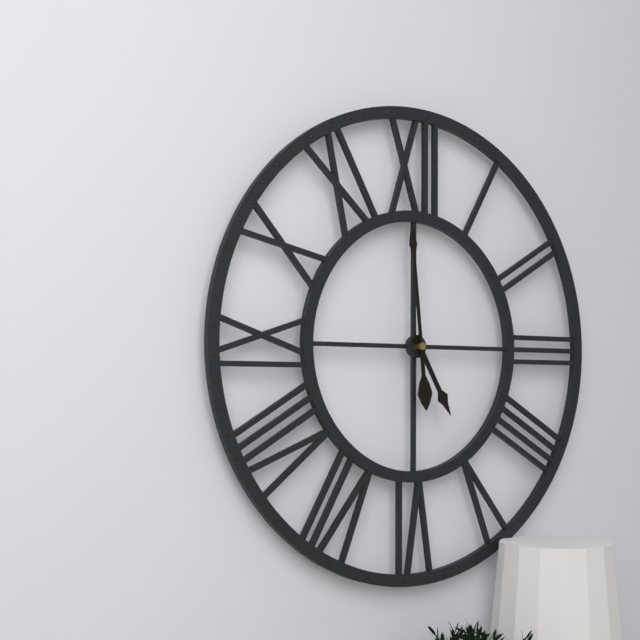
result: 4.59
